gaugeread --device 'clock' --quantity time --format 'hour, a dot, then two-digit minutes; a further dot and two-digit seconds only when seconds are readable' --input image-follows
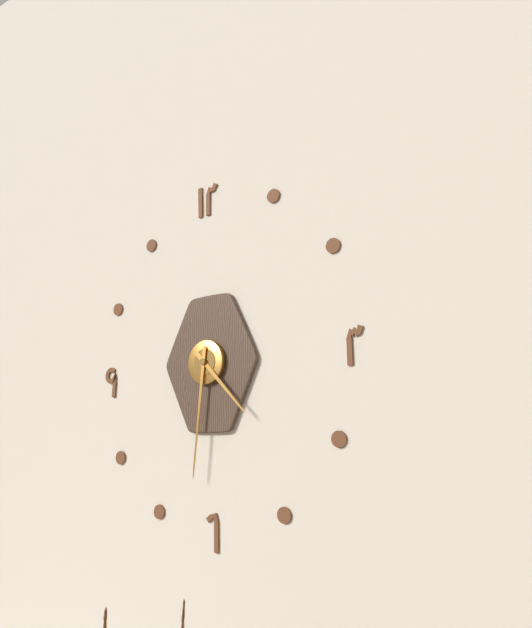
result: 4.31
